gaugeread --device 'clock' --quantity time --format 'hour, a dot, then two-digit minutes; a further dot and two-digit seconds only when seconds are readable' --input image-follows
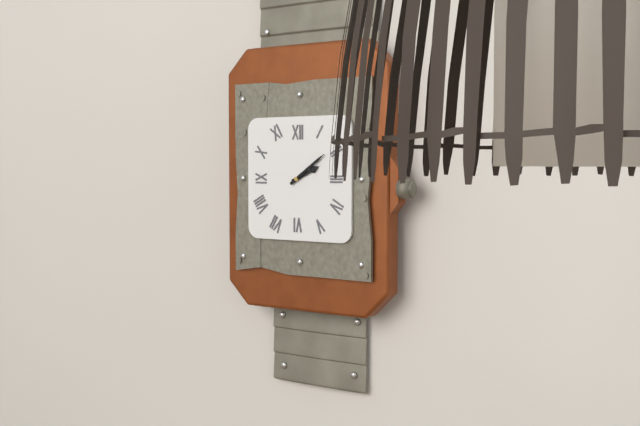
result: 2.09
